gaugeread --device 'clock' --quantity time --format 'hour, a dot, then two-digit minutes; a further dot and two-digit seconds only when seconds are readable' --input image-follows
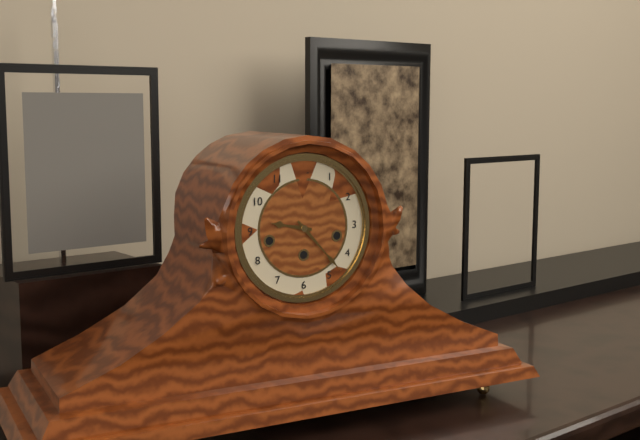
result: 9.23
